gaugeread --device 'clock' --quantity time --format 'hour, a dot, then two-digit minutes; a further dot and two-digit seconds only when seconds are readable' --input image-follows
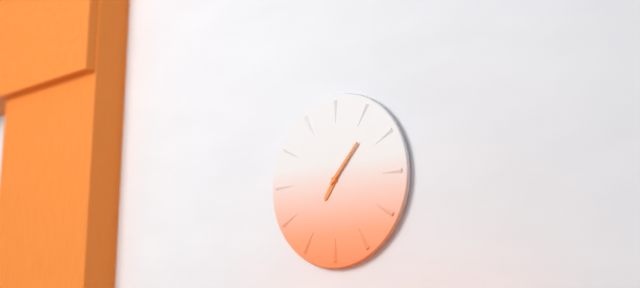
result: 7.07
